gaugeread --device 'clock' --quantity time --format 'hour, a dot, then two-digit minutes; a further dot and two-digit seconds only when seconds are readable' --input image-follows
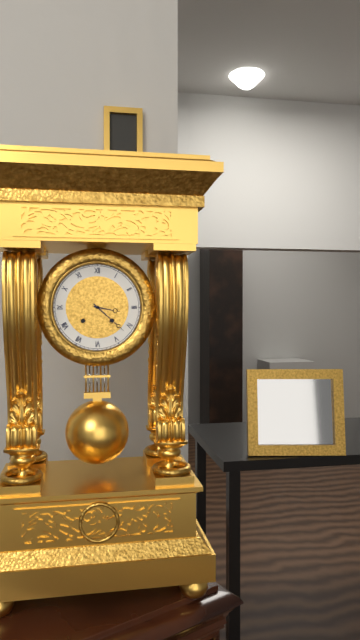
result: 3.22
